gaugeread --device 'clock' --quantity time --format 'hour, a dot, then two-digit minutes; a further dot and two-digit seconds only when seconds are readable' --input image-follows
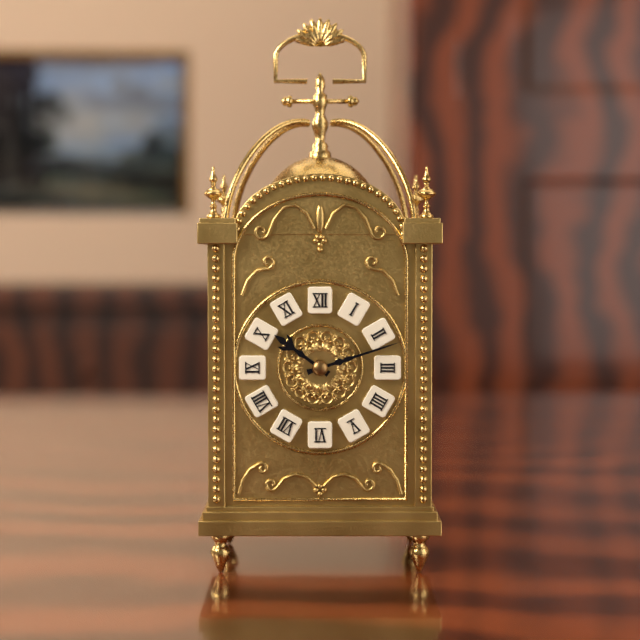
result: 10.12
